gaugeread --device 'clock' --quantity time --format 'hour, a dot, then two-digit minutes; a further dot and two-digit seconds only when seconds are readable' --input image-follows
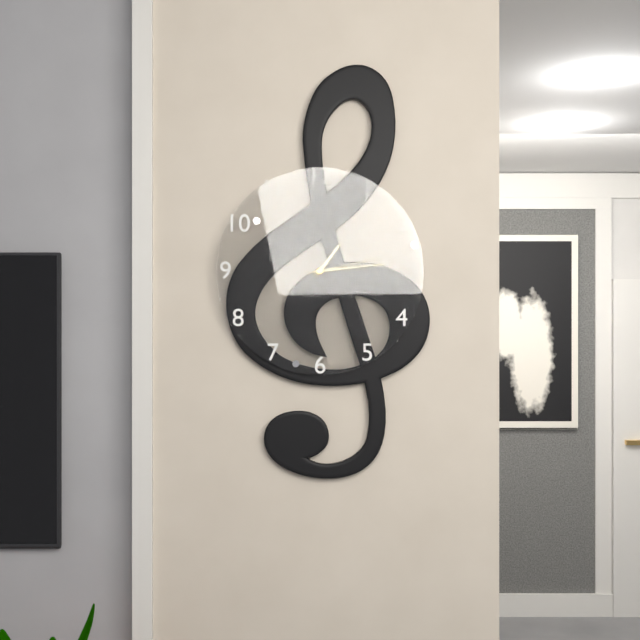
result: 1.14.13
